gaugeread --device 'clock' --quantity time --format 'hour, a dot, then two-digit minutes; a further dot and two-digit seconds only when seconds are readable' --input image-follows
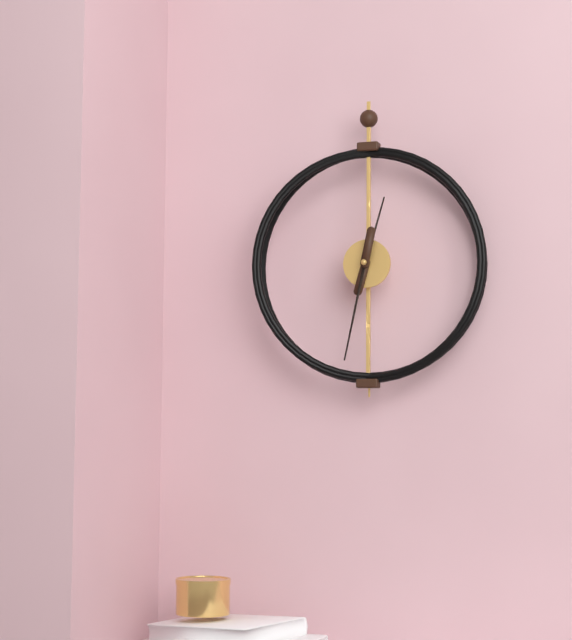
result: 12.32
